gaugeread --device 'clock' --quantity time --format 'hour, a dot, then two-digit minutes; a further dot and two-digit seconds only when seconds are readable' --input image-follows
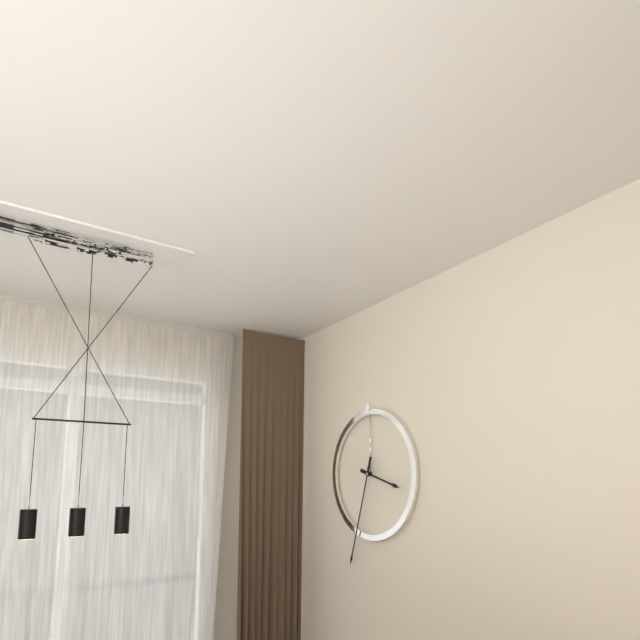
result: 3.33
